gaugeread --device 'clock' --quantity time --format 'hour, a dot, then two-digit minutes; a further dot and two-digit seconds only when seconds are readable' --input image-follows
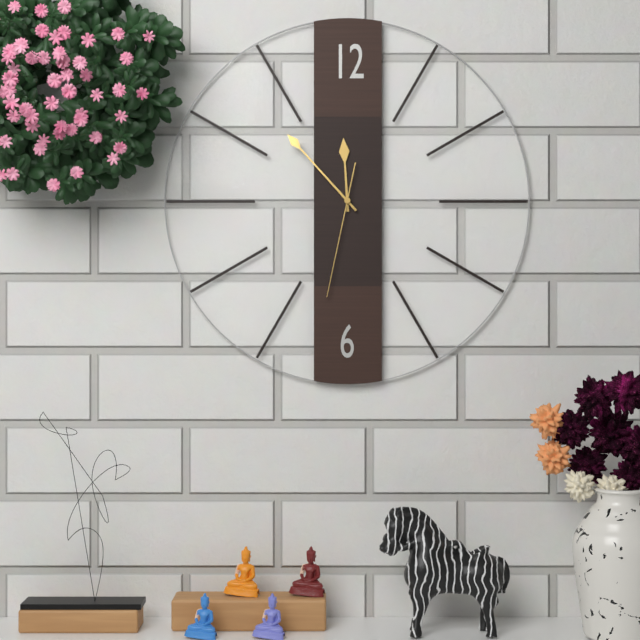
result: 11.53.32
